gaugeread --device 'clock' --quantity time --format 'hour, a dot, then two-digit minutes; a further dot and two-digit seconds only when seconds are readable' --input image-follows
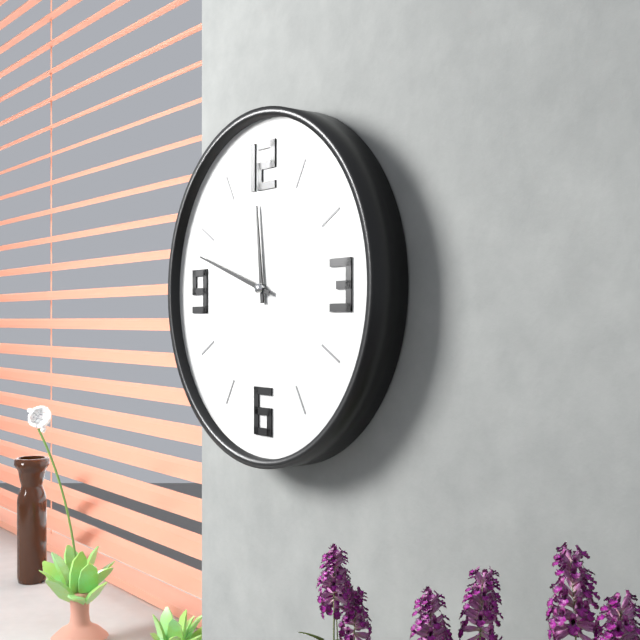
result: 11.48
